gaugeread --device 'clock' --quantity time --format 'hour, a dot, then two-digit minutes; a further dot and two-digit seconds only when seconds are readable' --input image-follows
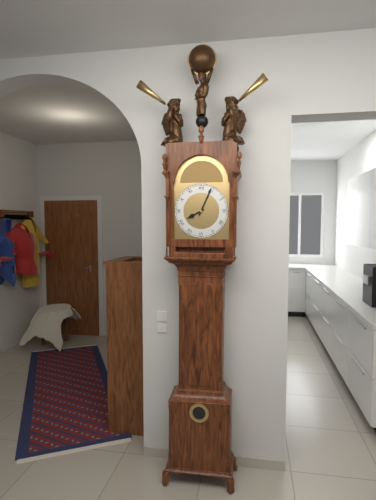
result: 8.04
